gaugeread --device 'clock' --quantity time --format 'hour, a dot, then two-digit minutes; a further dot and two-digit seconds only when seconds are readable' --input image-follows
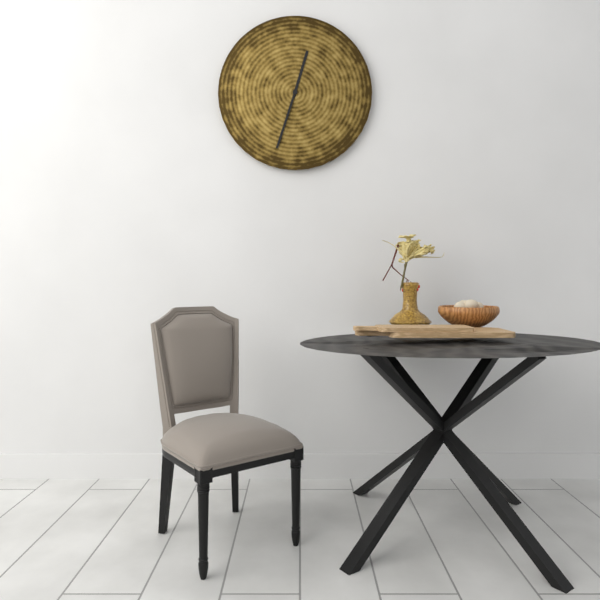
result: 12.33
